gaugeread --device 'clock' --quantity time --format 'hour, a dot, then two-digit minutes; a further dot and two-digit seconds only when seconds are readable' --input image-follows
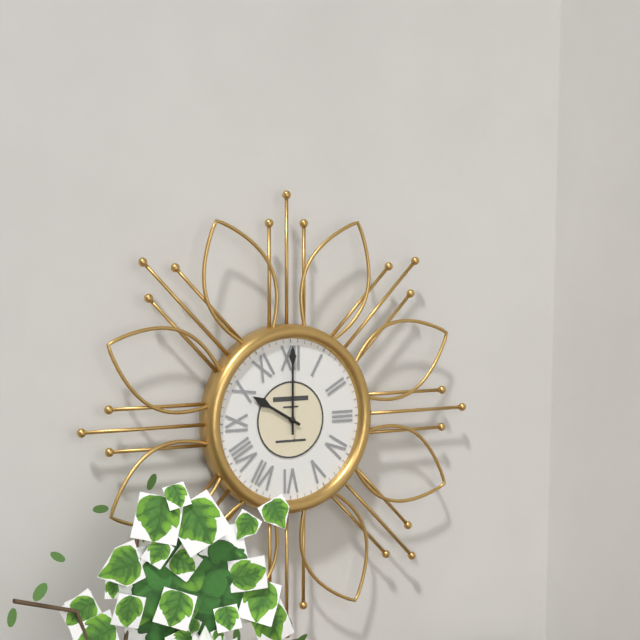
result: 10.00
